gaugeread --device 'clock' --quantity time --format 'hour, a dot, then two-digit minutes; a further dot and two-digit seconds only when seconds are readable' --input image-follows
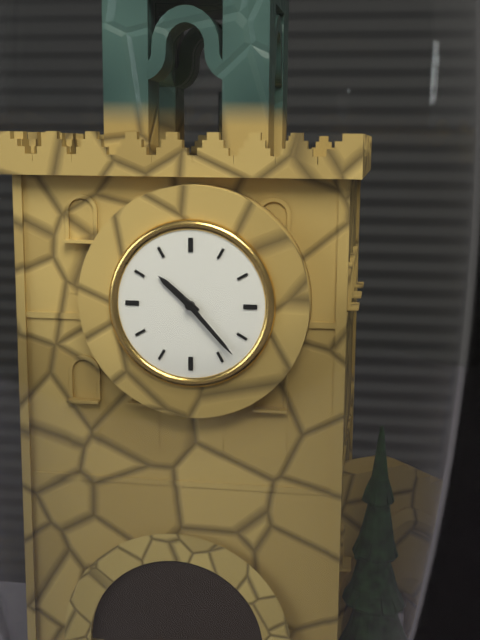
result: 10.23
